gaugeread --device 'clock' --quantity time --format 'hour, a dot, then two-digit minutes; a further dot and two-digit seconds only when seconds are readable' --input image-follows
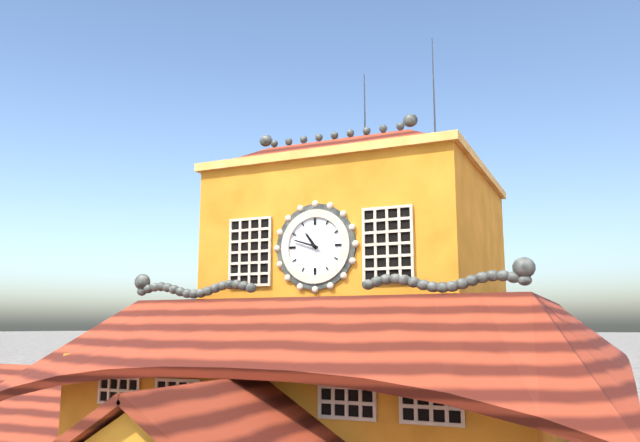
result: 10.48
